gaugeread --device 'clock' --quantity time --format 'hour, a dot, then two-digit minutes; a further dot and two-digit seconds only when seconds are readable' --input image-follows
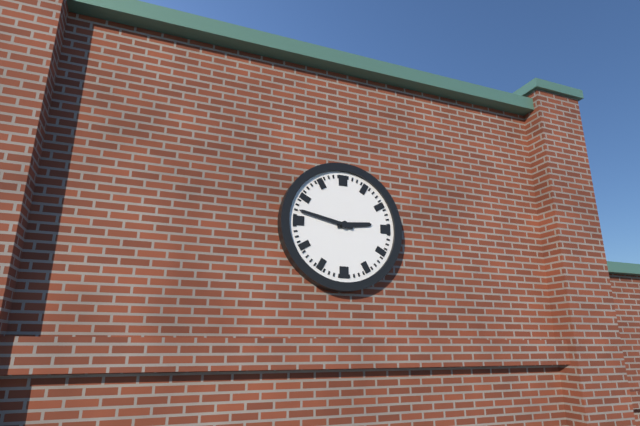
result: 2.47
